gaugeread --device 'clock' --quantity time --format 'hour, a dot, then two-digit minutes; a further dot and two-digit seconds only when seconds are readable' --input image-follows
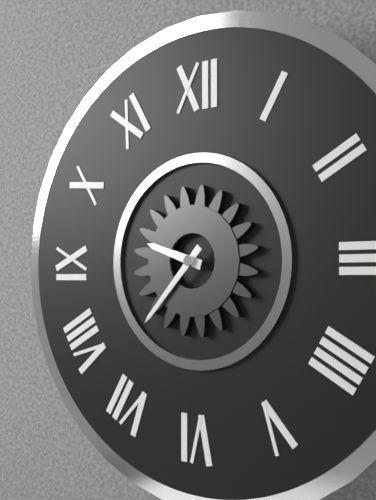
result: 9.37
